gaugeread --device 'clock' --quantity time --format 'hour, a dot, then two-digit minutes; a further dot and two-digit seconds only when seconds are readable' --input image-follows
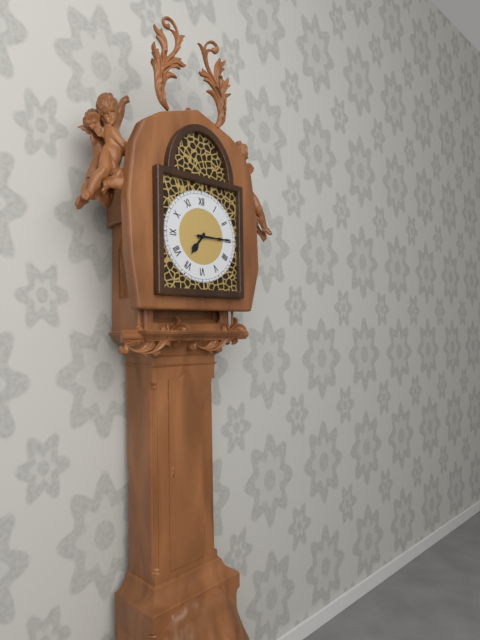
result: 7.15
